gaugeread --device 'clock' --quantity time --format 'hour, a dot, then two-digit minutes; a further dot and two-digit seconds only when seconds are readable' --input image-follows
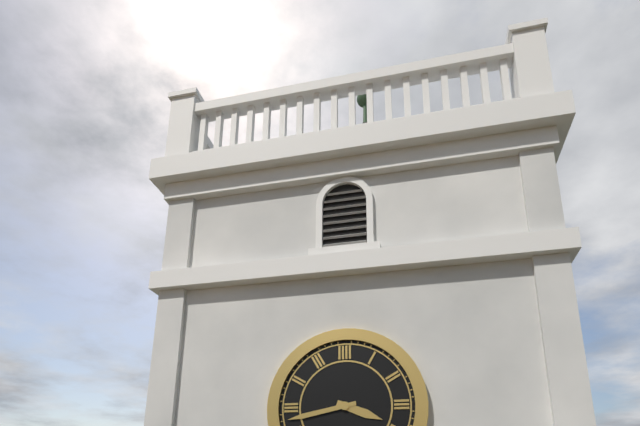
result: 3.43
